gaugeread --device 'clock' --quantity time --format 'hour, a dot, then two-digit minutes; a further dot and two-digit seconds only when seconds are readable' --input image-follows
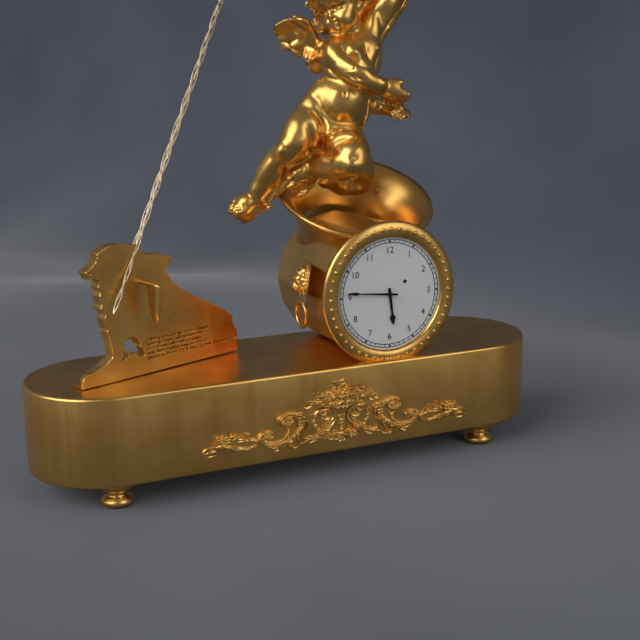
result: 5.46
